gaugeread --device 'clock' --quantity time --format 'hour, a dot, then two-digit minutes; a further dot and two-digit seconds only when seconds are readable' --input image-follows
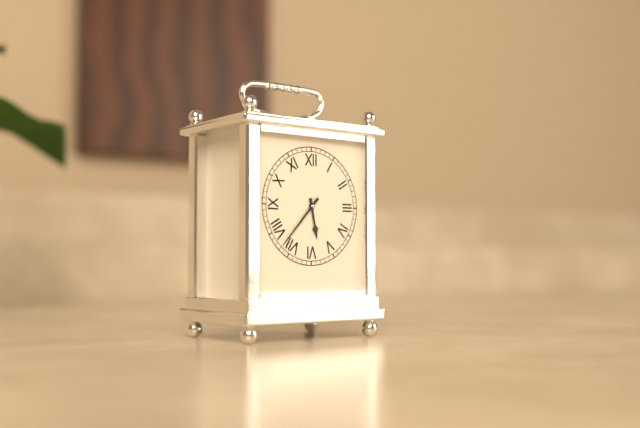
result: 5.37
